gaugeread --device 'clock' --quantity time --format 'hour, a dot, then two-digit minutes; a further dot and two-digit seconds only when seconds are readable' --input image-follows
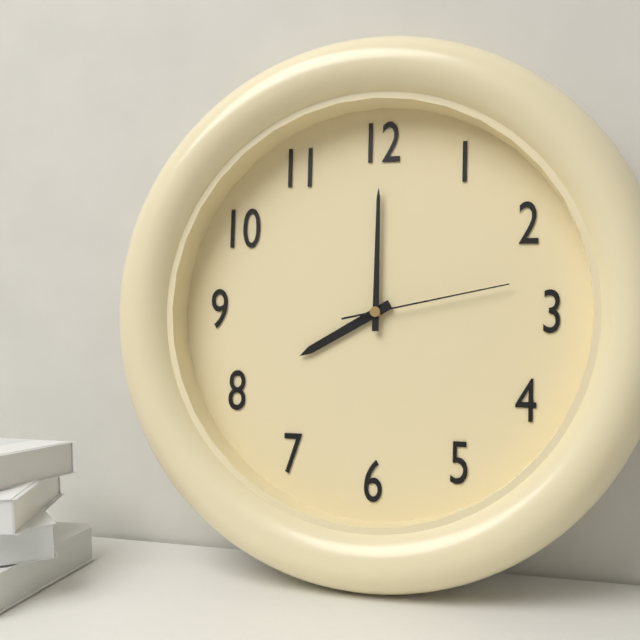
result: 8.00.13
